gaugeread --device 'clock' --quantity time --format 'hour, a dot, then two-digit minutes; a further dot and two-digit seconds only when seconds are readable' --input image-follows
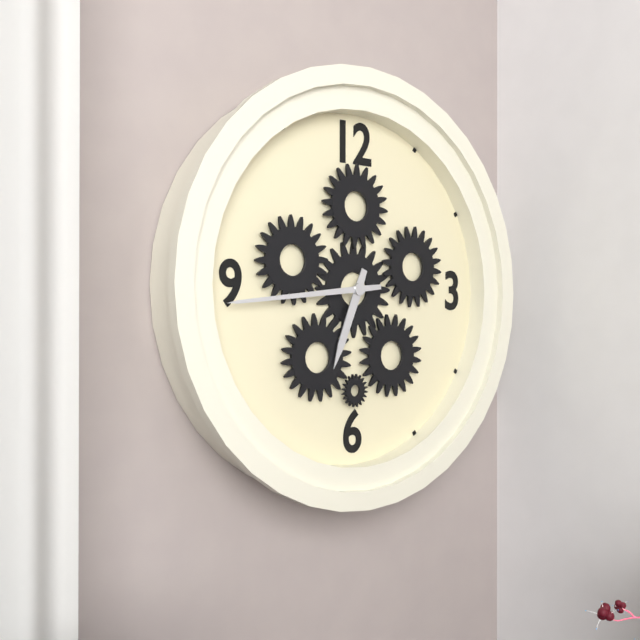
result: 6.44
